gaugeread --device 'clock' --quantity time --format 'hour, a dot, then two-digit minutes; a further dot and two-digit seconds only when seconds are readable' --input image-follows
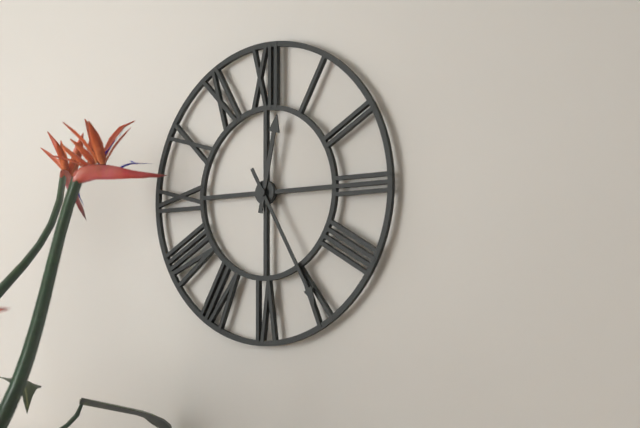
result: 12.25
